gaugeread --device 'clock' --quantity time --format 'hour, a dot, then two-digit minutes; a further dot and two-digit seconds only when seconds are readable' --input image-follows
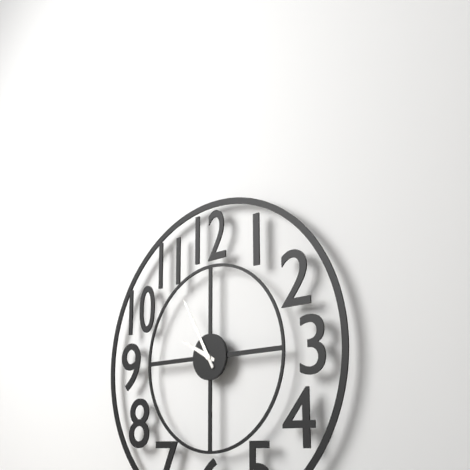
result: 9.55
